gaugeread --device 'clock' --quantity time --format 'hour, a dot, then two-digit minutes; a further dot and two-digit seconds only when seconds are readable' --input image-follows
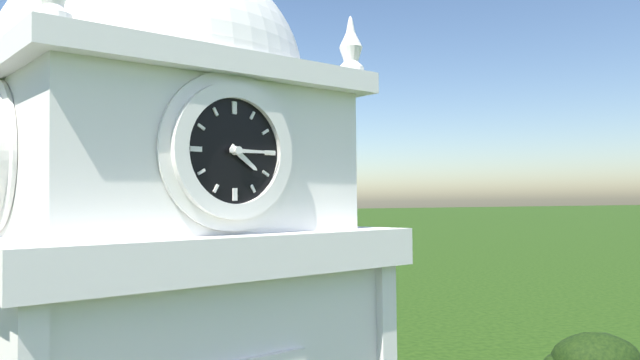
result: 4.15
